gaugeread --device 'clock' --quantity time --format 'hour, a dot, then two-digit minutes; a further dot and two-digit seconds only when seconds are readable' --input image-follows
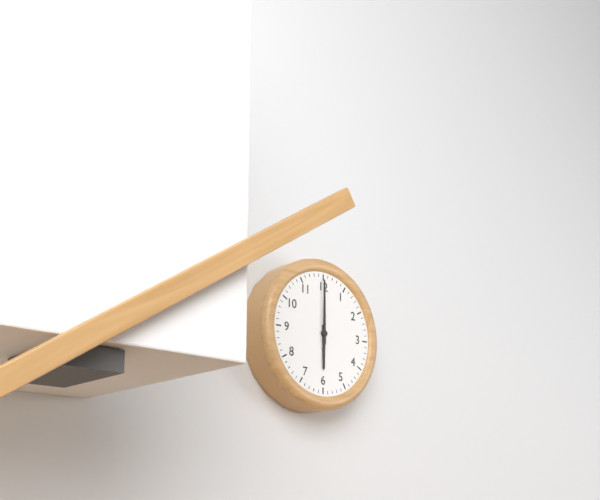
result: 6.00
